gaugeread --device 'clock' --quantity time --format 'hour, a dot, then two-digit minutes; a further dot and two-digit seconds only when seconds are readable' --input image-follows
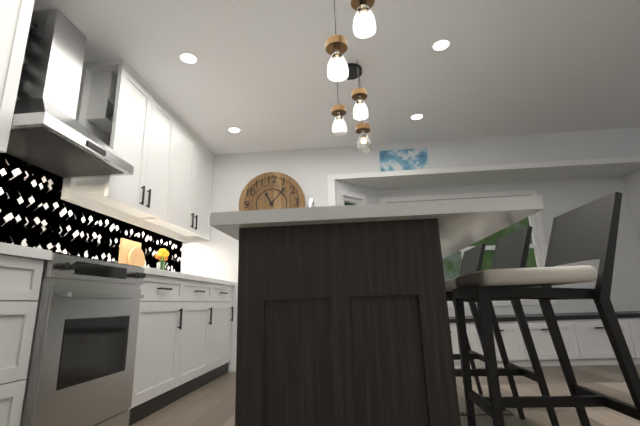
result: 11.07
